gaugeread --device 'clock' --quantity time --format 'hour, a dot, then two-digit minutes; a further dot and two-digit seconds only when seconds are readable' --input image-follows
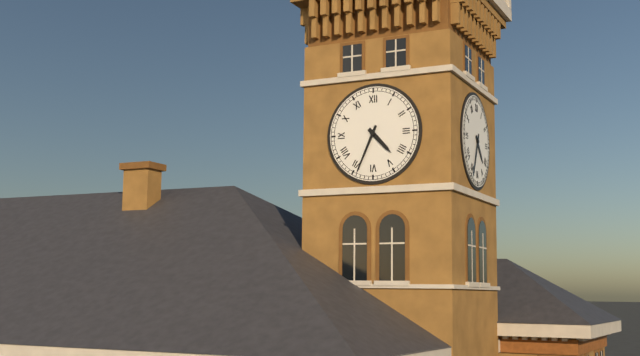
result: 4.34
